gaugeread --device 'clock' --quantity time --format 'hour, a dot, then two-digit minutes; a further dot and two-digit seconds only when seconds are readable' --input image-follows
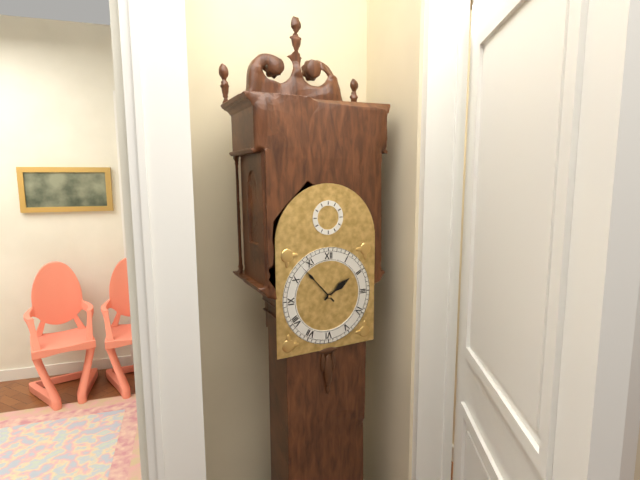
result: 1.53
